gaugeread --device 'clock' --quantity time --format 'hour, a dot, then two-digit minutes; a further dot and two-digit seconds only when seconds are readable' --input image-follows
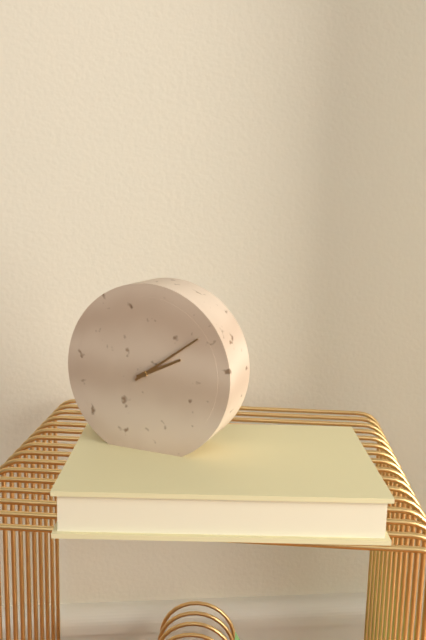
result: 2.09
